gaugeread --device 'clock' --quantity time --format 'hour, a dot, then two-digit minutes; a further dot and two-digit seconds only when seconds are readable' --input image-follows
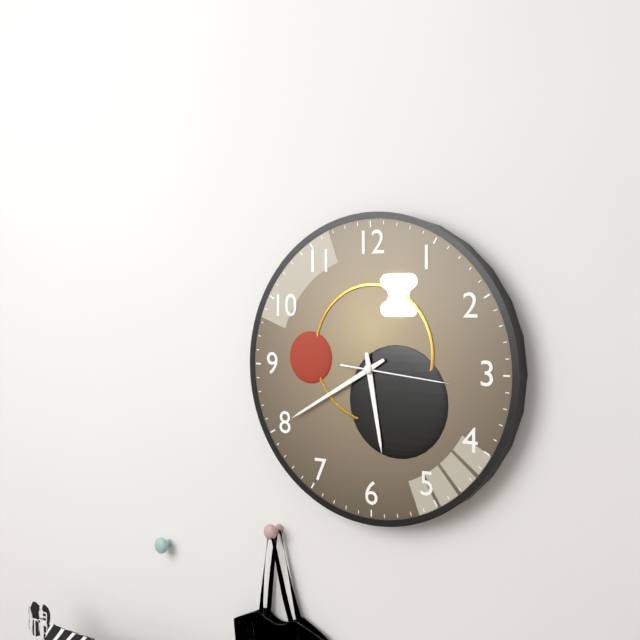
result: 5.40.16
